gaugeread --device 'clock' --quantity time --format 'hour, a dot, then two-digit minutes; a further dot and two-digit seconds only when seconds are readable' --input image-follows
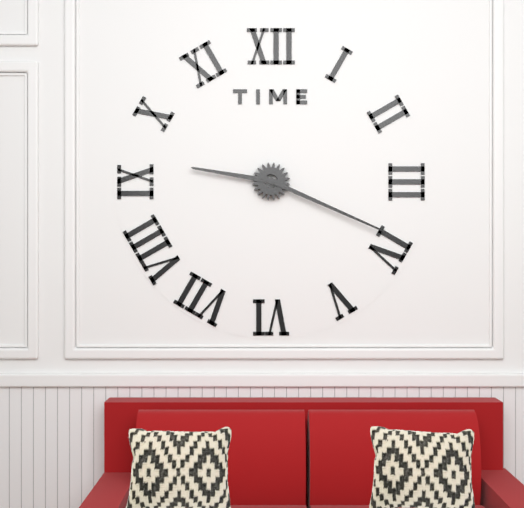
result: 9.19
